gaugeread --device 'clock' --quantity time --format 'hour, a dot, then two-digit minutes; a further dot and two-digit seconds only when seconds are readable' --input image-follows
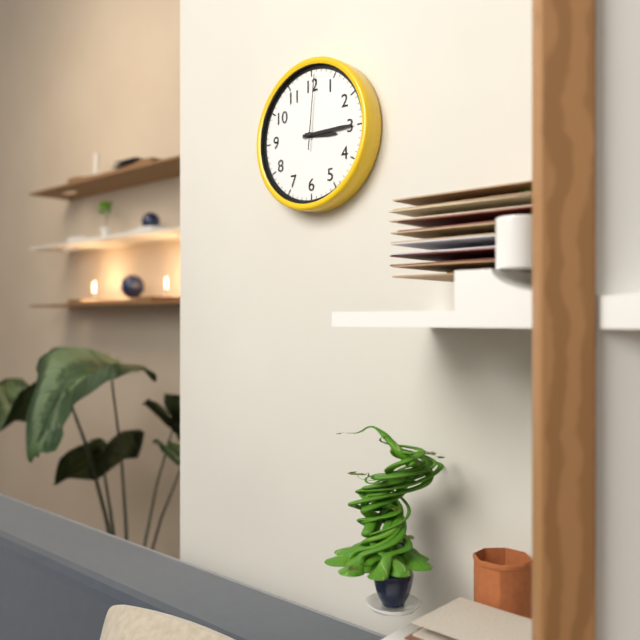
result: 3.15.01
